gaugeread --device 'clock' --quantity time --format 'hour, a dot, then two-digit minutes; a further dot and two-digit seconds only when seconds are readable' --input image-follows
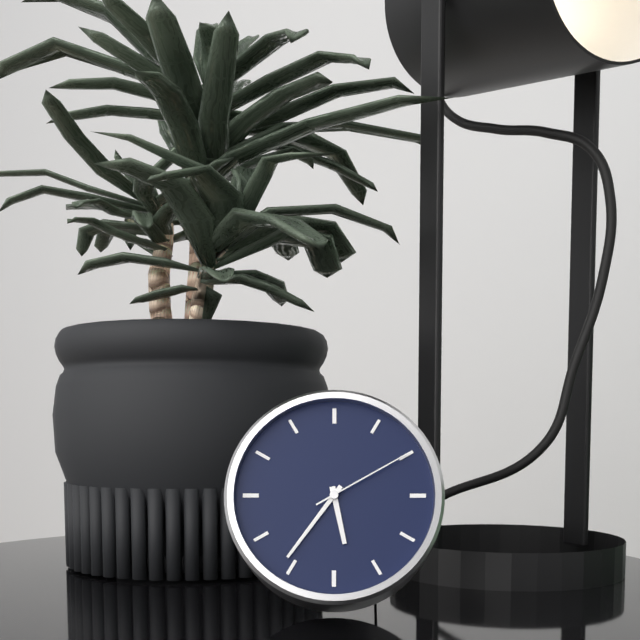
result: 5.36.10
